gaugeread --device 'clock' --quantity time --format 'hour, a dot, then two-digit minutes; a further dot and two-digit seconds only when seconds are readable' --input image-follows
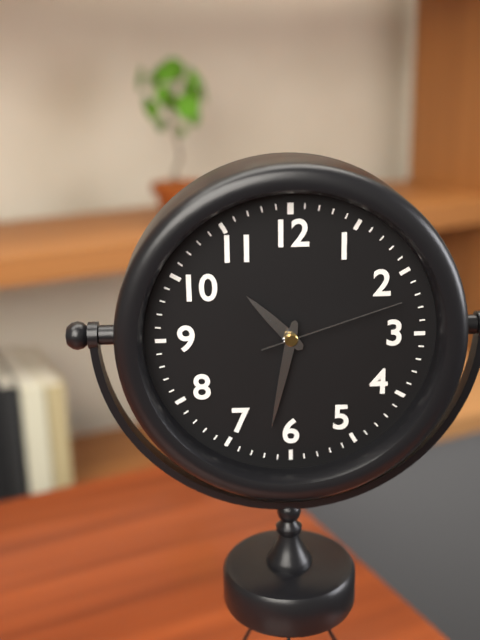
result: 10.32.12
